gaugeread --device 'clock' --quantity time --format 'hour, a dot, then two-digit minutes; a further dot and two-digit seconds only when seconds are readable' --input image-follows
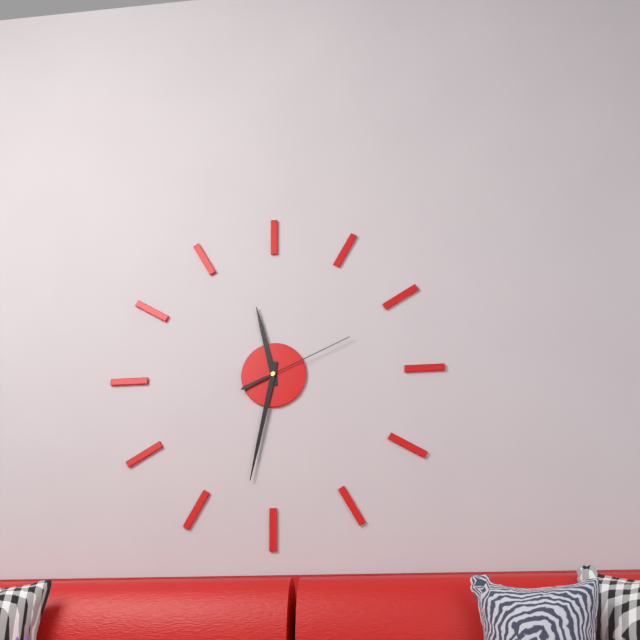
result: 11.32.11
